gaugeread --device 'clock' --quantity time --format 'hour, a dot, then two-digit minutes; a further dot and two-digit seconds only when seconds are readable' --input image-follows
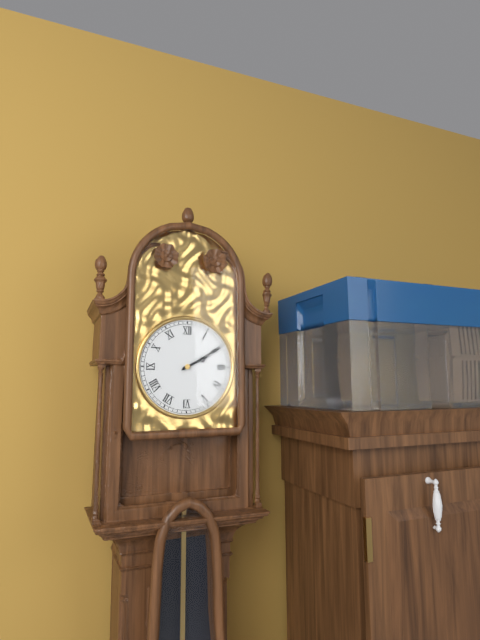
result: 2.10
